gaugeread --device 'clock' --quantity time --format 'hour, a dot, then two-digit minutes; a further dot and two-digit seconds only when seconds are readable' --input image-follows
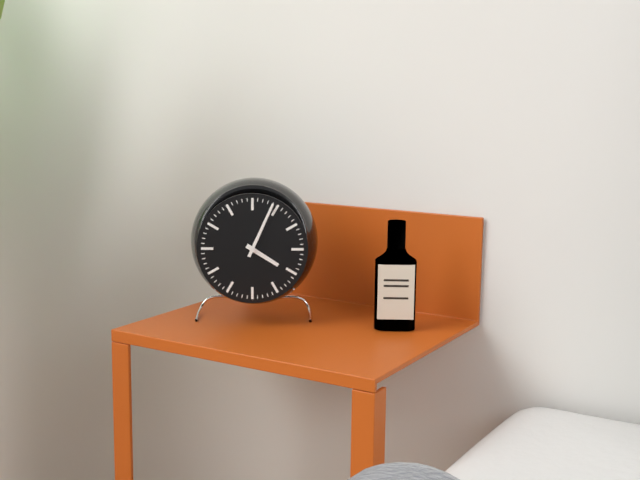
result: 4.04
